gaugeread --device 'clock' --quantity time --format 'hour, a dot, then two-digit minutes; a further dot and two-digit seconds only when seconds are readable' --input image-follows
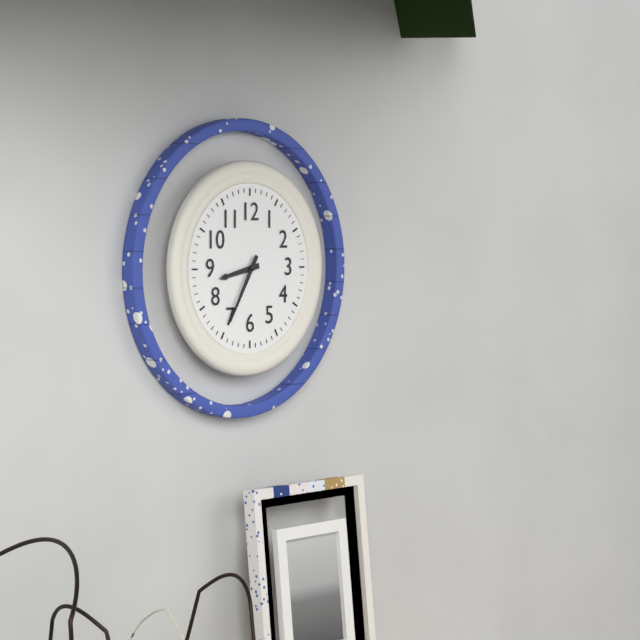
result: 8.35
